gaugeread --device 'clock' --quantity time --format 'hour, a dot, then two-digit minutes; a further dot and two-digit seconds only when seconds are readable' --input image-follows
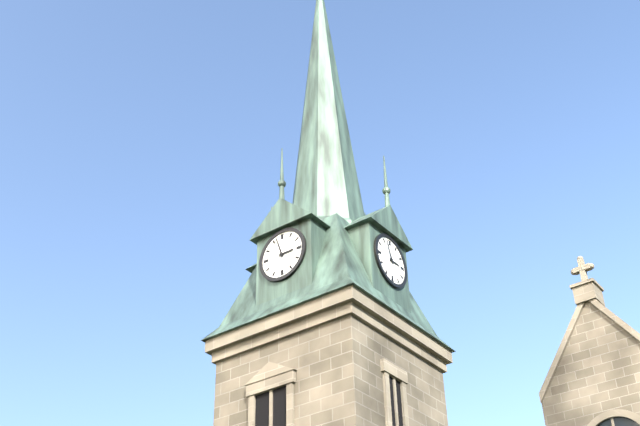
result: 2.57
